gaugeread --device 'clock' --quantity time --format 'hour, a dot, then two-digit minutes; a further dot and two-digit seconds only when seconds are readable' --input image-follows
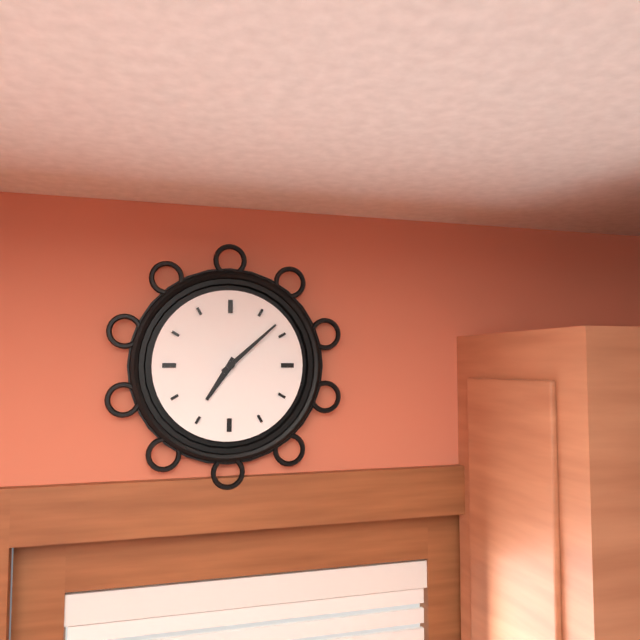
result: 7.08
